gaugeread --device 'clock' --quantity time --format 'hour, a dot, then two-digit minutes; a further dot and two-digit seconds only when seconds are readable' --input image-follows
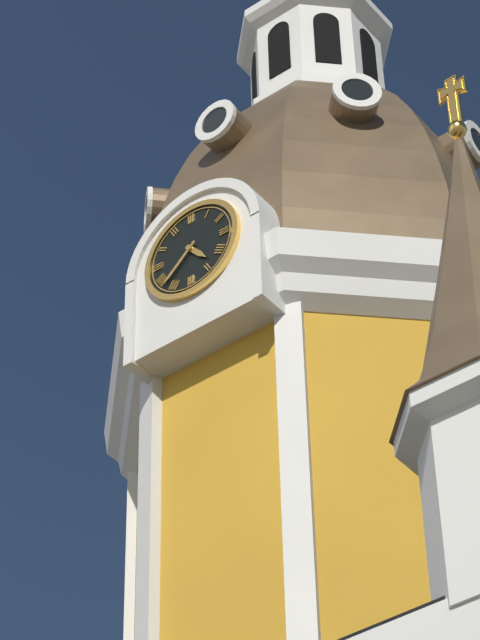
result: 4.38
